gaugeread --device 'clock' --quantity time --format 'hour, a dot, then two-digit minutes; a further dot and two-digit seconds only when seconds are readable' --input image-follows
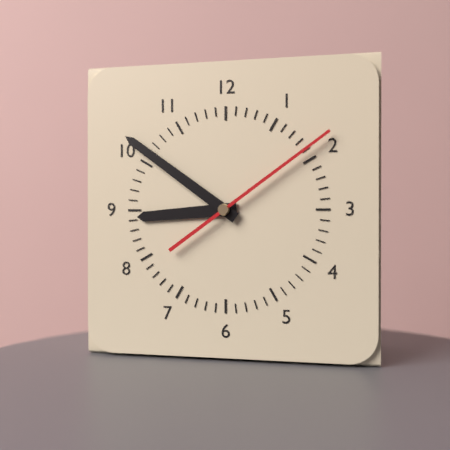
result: 8.51.09
